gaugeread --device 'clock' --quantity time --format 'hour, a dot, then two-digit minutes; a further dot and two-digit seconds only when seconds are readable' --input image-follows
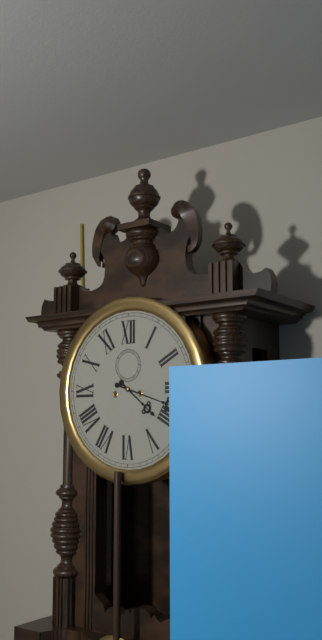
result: 4.18
